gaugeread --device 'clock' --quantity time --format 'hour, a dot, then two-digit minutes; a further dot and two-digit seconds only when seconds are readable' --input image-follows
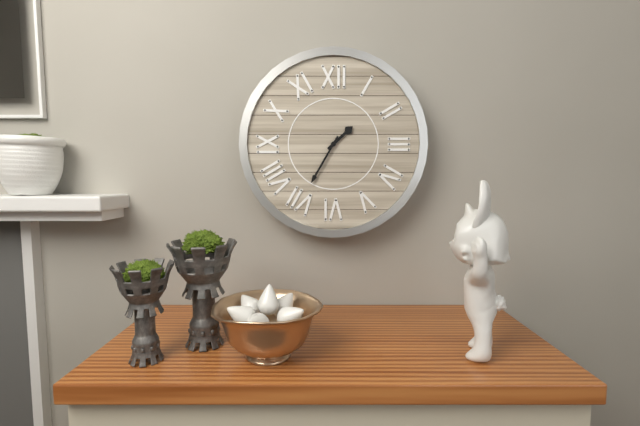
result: 1.35
